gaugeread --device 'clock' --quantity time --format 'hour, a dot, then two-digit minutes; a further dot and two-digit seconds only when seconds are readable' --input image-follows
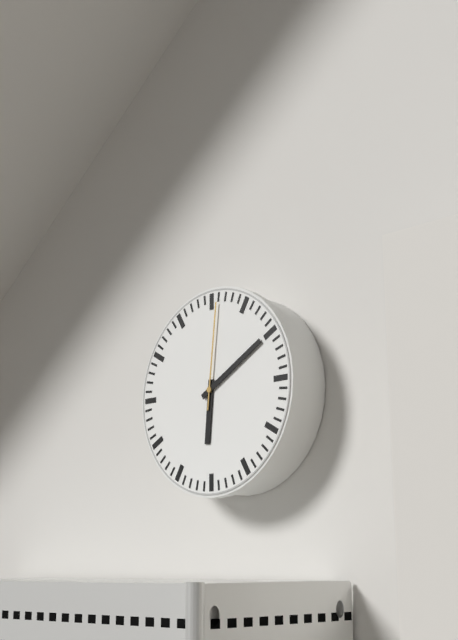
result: 6.10.01
